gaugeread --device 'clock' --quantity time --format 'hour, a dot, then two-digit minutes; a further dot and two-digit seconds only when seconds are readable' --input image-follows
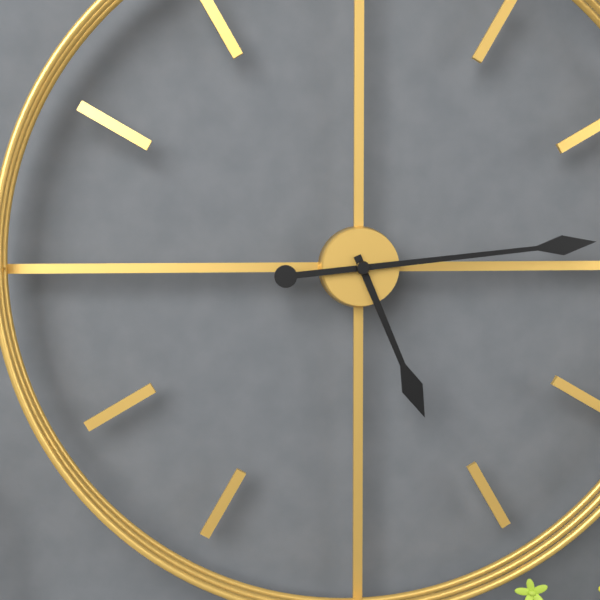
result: 5.14
